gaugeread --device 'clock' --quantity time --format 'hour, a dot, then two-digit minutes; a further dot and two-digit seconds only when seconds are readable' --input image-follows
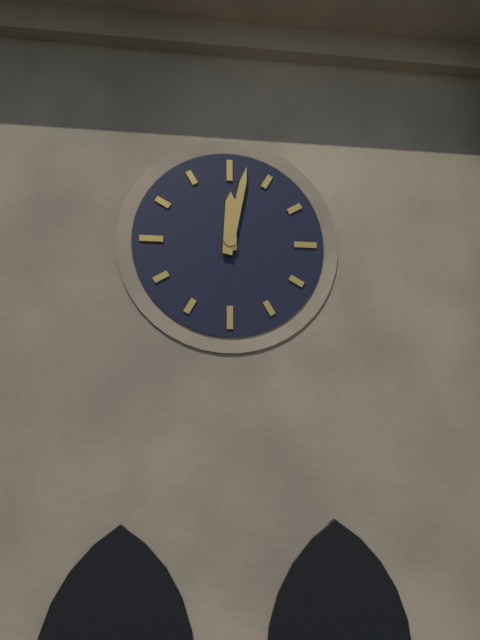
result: 12.02
